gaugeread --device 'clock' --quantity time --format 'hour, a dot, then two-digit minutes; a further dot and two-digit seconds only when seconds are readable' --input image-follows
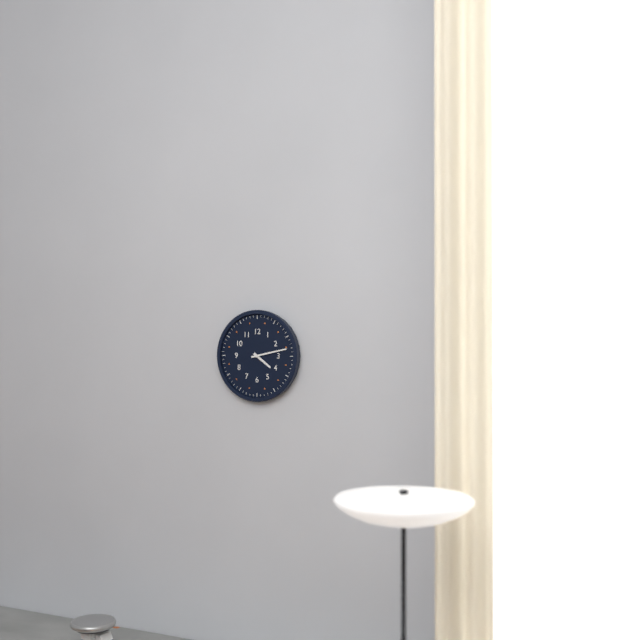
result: 4.13
